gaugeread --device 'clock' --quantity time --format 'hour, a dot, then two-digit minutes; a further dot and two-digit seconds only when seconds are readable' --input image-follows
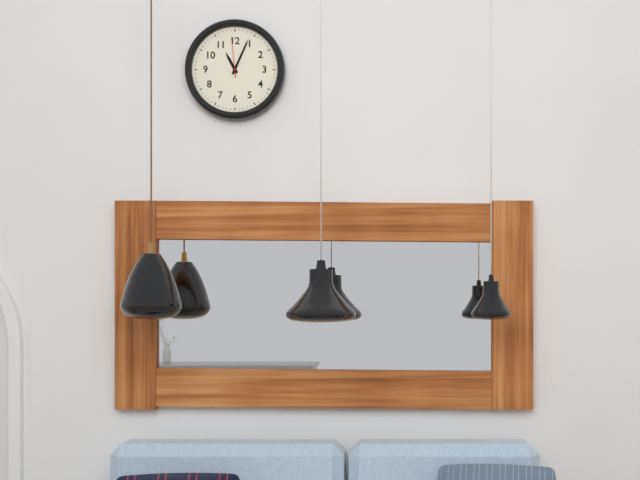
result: 11.04
